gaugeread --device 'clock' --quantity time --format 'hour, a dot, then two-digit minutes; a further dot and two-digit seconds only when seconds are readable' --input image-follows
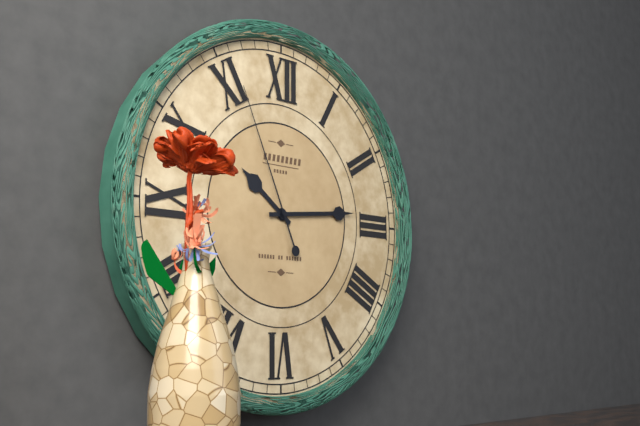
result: 10.14.56
